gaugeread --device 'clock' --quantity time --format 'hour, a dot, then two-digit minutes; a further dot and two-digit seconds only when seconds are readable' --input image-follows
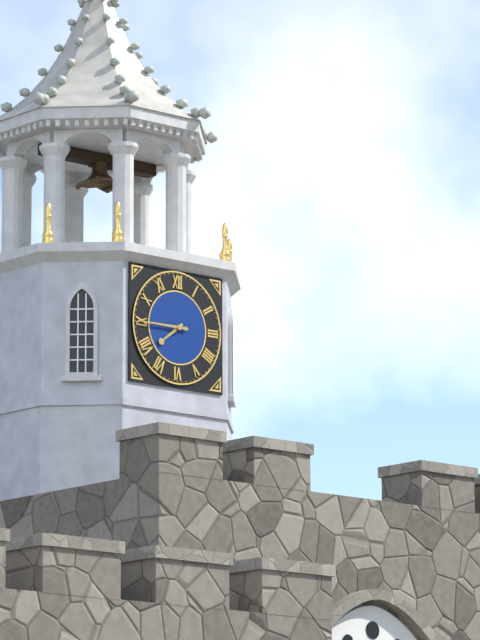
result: 7.45
